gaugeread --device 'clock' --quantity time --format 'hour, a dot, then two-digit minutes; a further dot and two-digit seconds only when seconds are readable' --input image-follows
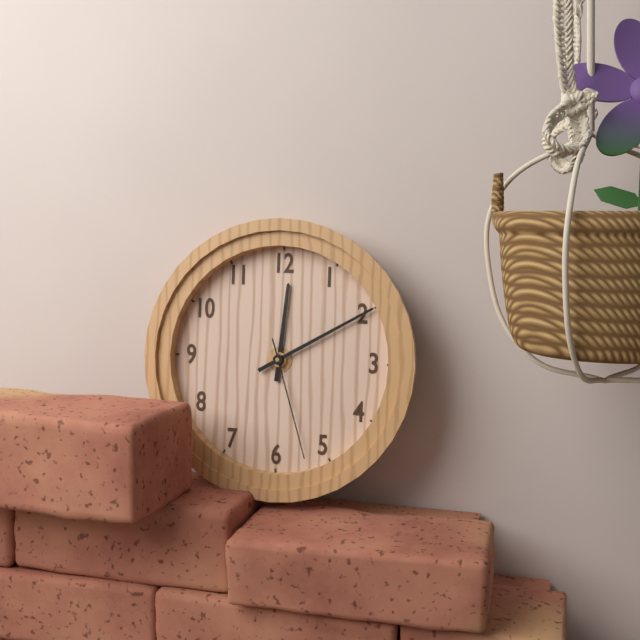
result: 12.10.27
